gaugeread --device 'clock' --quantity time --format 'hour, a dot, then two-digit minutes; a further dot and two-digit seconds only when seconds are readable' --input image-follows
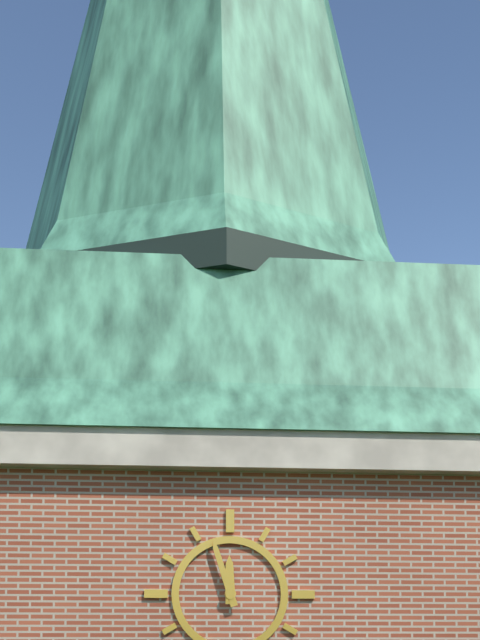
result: 11.57
